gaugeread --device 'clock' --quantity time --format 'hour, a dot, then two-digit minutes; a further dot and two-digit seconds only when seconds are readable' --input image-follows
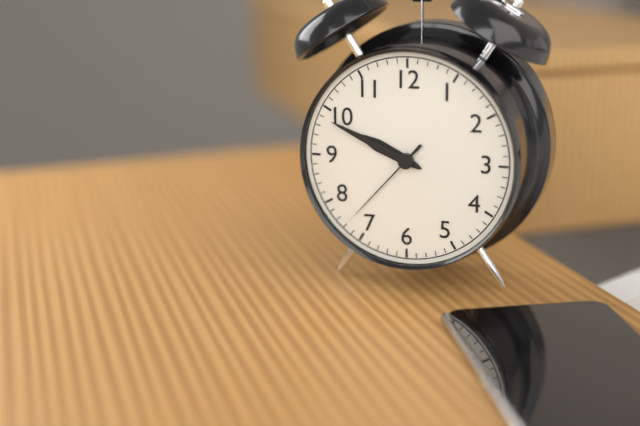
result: 9.49.37
